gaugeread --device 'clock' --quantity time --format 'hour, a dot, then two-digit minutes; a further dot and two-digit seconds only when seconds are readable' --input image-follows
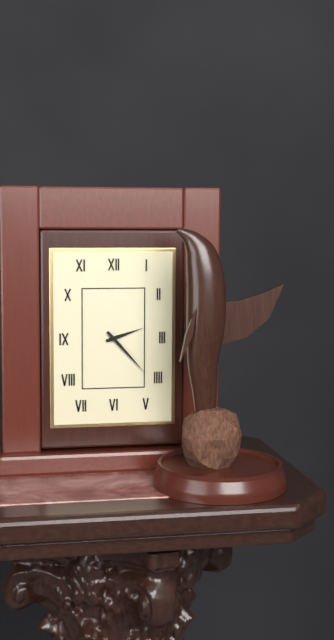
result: 2.23
